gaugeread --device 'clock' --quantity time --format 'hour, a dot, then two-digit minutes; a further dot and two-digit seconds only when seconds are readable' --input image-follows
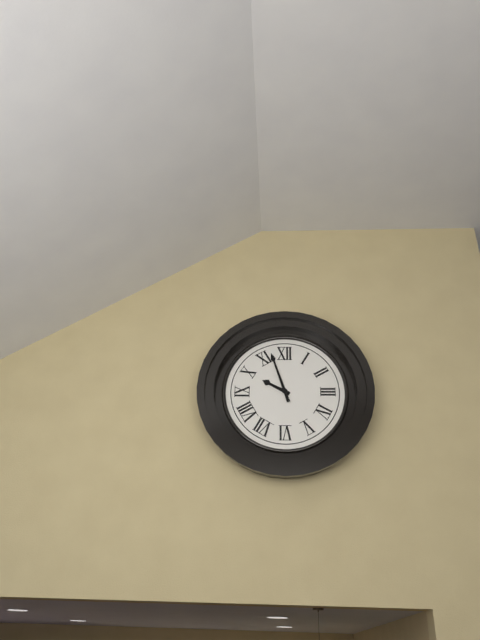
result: 9.57
